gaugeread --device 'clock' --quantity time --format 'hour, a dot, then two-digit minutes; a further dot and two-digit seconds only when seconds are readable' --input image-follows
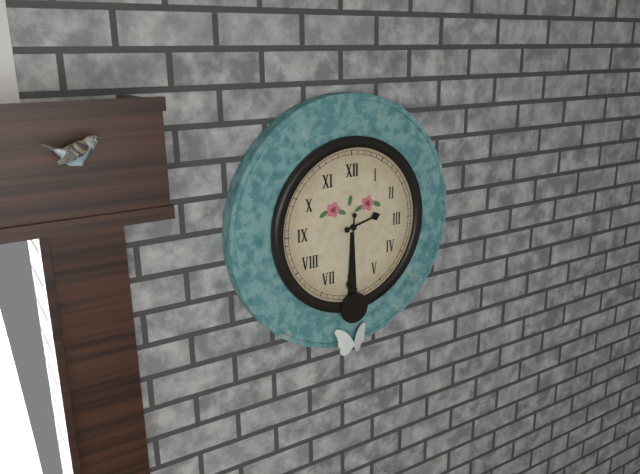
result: 2.31
